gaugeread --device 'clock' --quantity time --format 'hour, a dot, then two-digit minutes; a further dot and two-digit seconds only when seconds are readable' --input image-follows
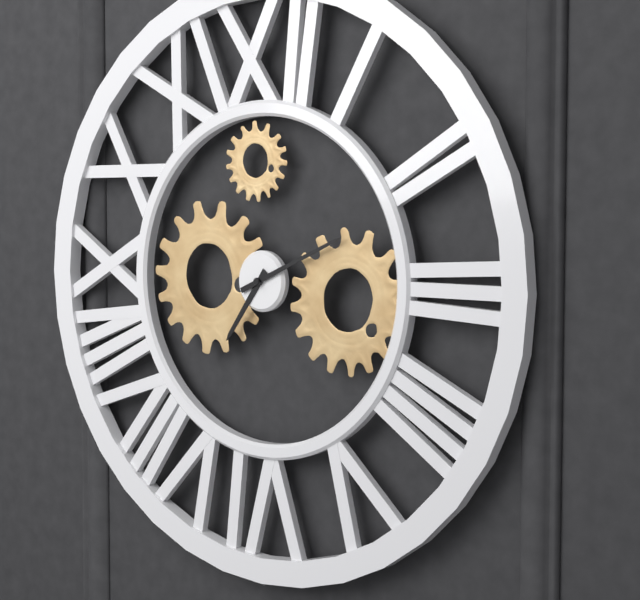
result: 7.11
